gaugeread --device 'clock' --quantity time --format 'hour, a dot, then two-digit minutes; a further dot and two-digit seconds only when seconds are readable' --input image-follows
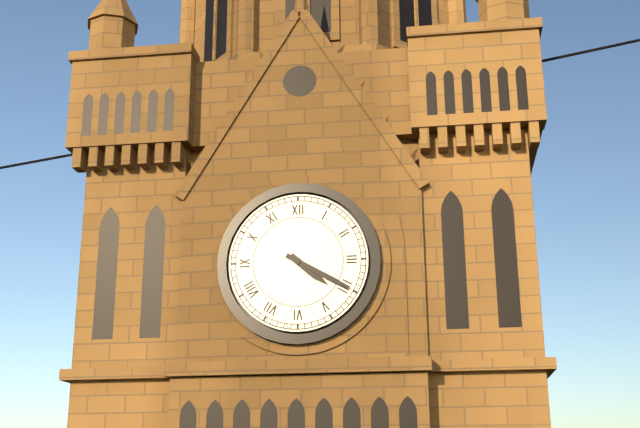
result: 4.20
